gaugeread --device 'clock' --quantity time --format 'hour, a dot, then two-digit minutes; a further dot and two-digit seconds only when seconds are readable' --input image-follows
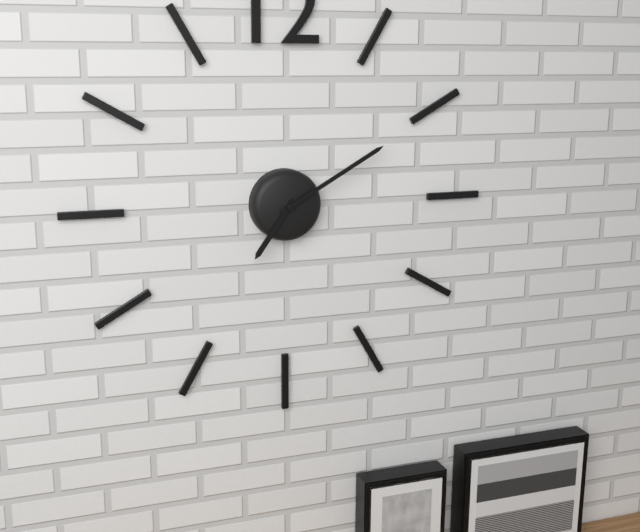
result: 7.10
